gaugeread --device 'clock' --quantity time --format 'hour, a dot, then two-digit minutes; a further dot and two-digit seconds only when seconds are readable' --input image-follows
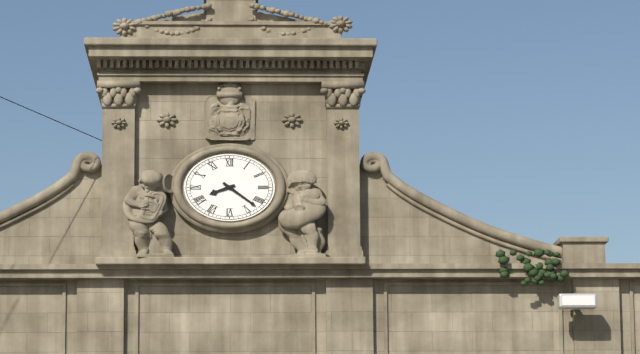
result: 8.21
